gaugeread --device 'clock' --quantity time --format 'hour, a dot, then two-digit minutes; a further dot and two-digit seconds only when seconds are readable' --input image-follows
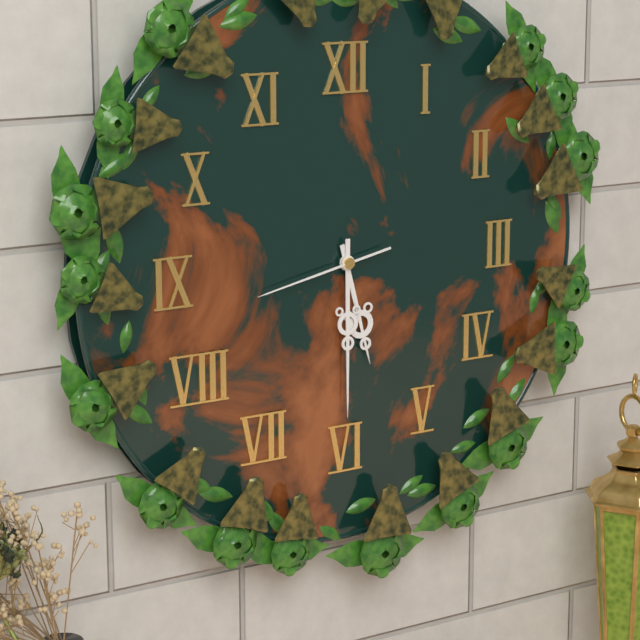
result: 5.30.43
